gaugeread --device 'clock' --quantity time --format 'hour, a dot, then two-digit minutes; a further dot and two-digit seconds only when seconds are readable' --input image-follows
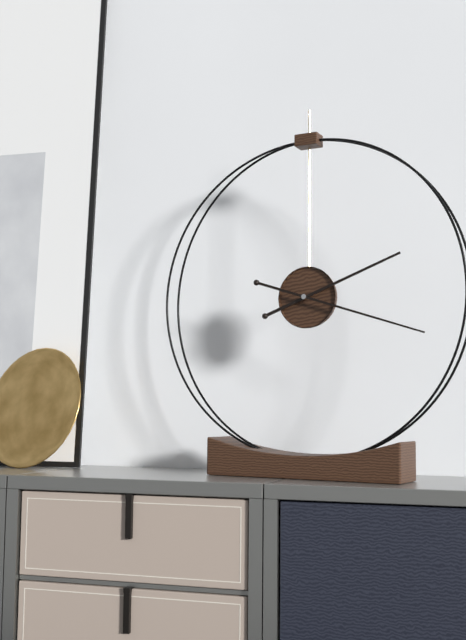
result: 2.18
